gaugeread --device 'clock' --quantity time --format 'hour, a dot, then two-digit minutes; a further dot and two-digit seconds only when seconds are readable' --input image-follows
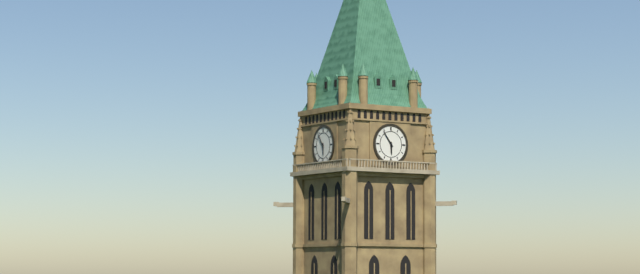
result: 5.54
